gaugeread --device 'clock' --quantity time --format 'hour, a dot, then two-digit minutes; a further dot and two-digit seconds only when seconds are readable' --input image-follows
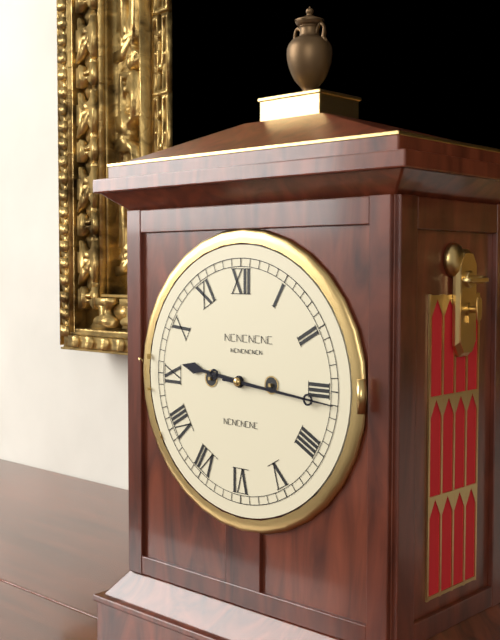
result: 9.16
